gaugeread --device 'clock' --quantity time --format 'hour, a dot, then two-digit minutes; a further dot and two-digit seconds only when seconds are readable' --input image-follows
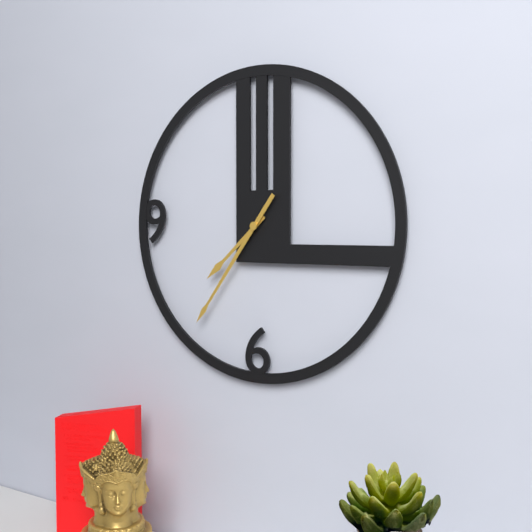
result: 7.36
